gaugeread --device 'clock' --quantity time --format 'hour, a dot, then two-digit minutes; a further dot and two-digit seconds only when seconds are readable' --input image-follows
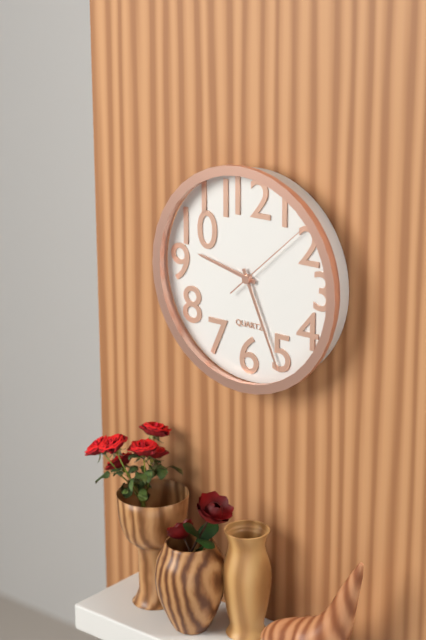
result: 9.26.08
